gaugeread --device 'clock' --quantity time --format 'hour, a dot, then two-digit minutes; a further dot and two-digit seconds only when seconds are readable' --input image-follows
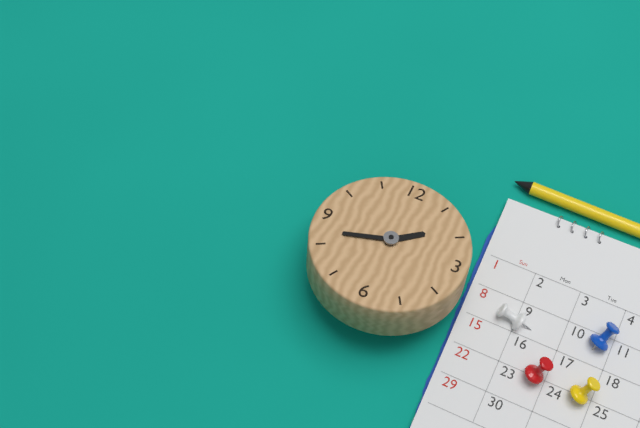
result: 1.42
